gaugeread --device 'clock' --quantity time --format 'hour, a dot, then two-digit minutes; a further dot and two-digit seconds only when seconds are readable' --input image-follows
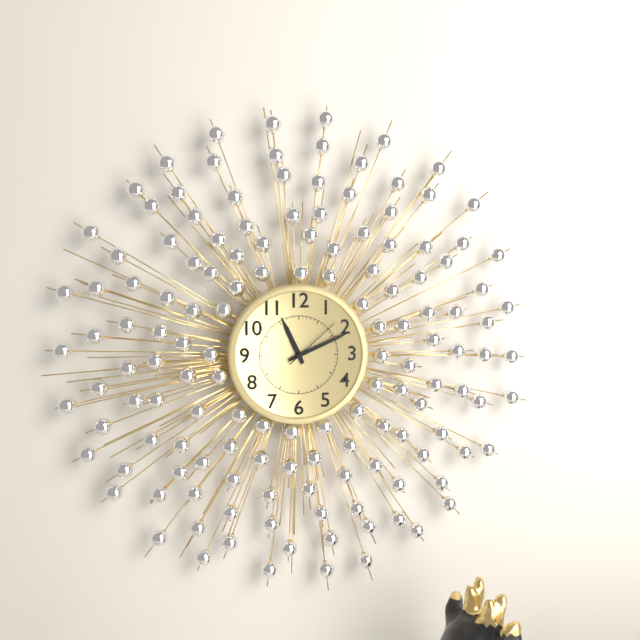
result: 11.11.08
